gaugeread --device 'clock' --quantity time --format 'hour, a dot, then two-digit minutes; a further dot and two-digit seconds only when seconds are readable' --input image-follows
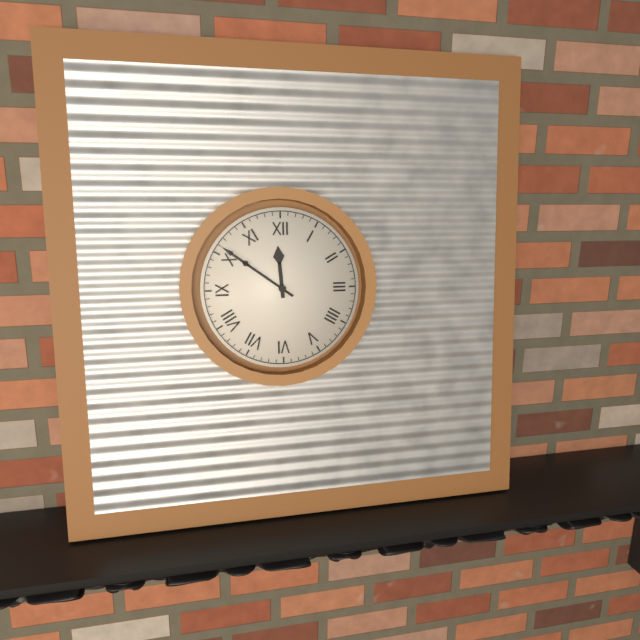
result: 11.51
